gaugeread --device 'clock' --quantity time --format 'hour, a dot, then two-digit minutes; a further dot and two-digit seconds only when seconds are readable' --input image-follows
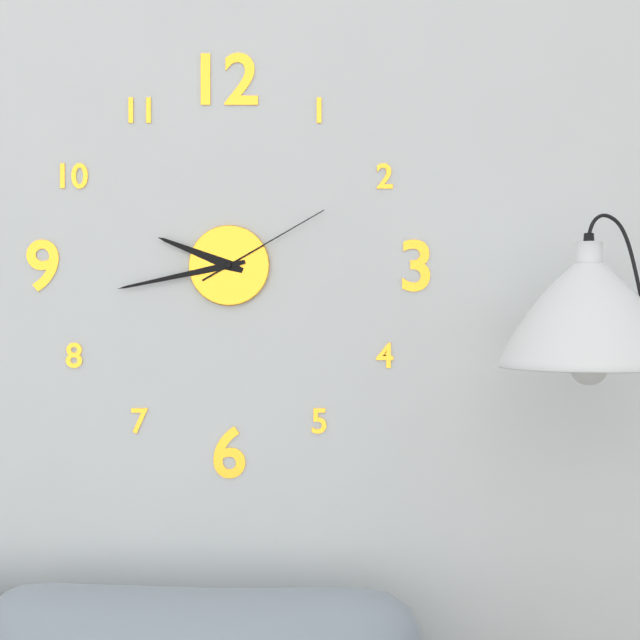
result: 9.43.10
